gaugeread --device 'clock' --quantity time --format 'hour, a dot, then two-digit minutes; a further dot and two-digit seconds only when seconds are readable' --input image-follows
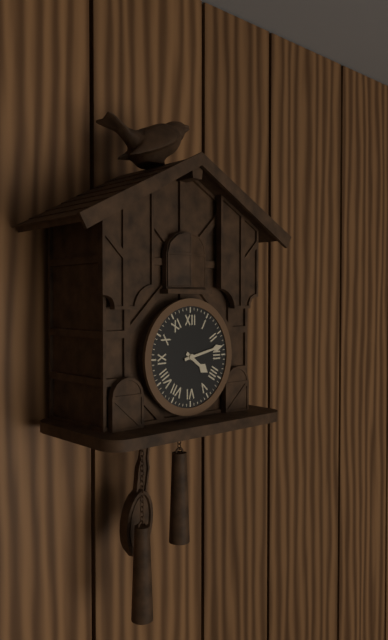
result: 4.13
